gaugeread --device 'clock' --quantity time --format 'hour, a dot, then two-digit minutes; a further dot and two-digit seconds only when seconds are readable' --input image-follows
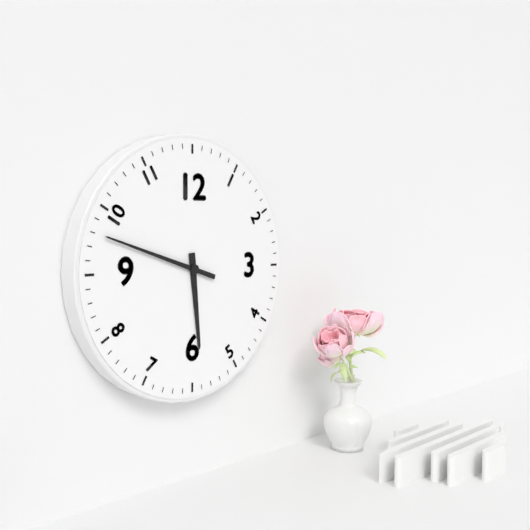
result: 5.48
